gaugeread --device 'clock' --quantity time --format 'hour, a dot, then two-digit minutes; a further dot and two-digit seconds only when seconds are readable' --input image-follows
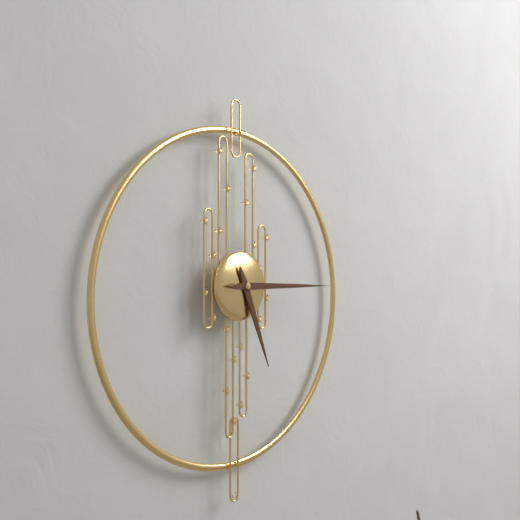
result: 5.15
